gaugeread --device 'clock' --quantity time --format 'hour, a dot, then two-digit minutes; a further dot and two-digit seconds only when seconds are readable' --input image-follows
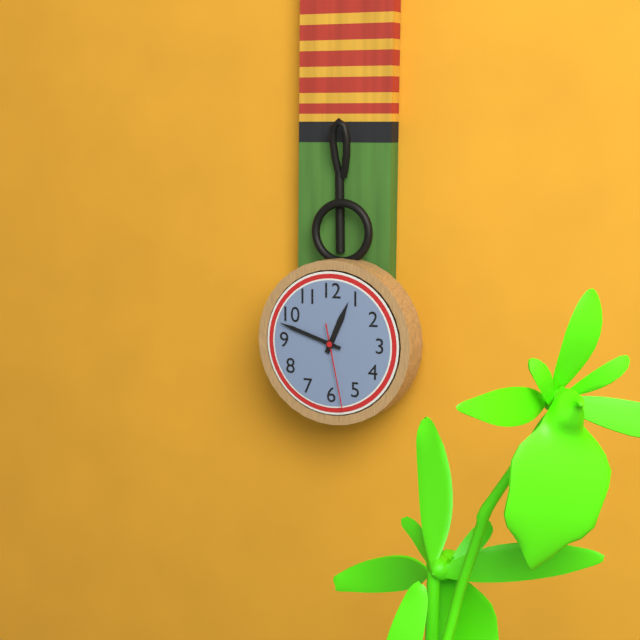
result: 12.48.28
